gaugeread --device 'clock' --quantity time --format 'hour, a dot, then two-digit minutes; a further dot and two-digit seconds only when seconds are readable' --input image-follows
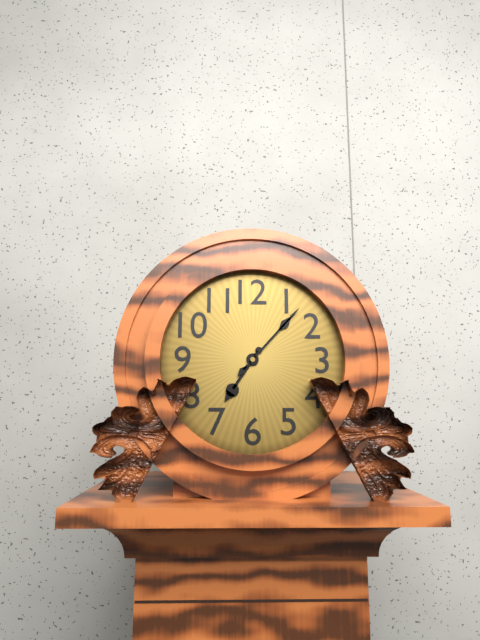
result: 7.07
